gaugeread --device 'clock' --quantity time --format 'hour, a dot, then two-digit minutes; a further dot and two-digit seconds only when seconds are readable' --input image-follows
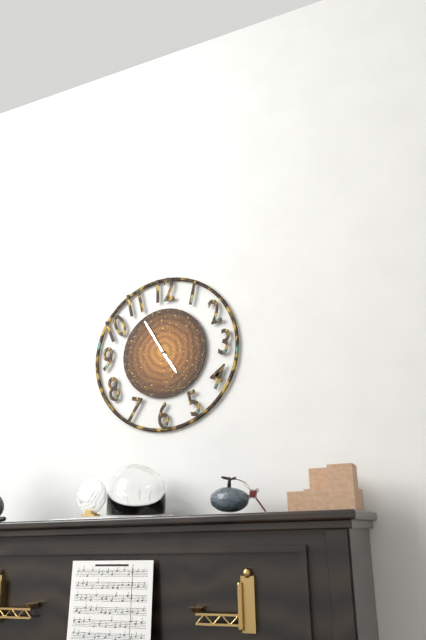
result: 4.55
